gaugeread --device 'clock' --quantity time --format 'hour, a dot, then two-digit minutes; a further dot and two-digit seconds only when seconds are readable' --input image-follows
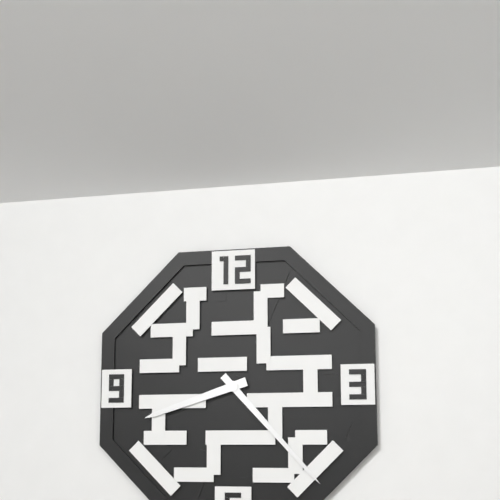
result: 8.23
